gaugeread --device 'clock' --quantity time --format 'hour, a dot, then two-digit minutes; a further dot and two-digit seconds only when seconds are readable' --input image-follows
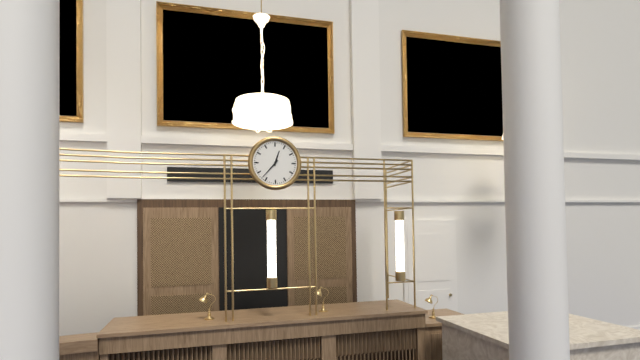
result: 12.37
